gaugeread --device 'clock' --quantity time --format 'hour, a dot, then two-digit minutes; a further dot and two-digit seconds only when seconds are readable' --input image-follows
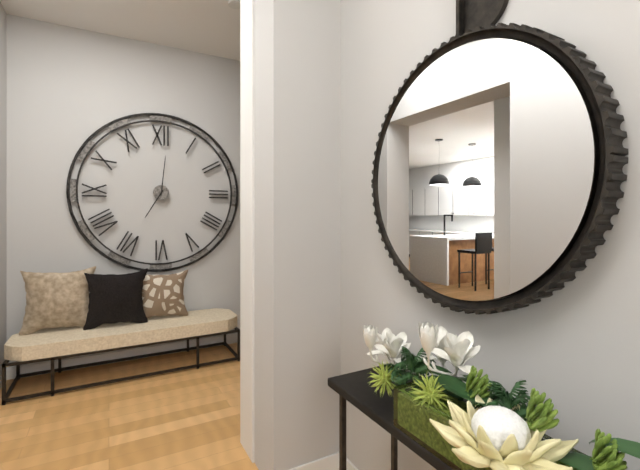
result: 7.01
